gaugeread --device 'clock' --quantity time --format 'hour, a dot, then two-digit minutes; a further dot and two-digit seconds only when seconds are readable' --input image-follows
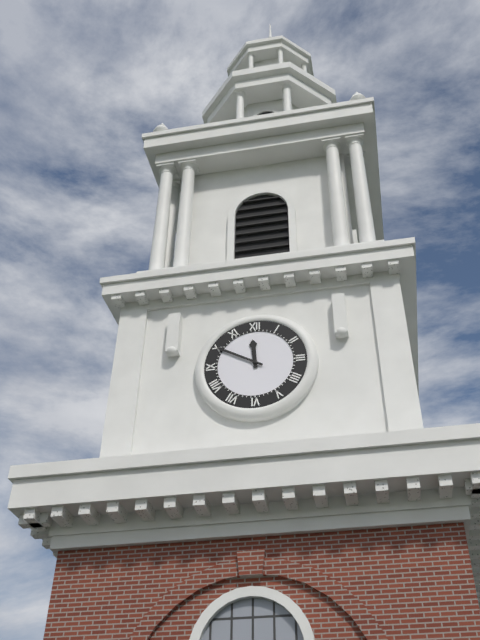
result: 11.50
